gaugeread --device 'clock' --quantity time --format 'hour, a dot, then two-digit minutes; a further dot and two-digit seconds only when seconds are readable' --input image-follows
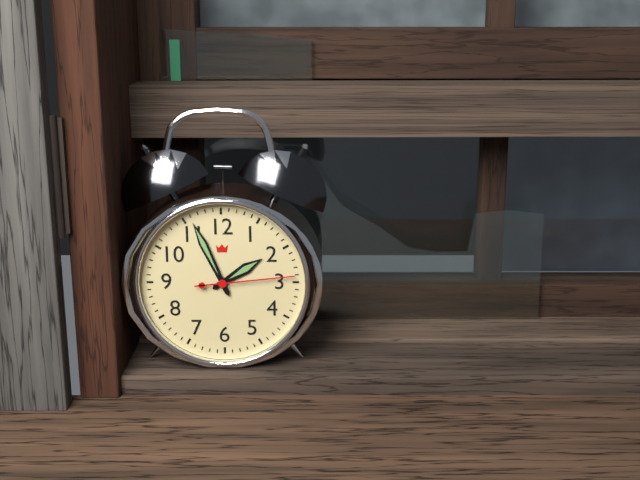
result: 1.56.14
